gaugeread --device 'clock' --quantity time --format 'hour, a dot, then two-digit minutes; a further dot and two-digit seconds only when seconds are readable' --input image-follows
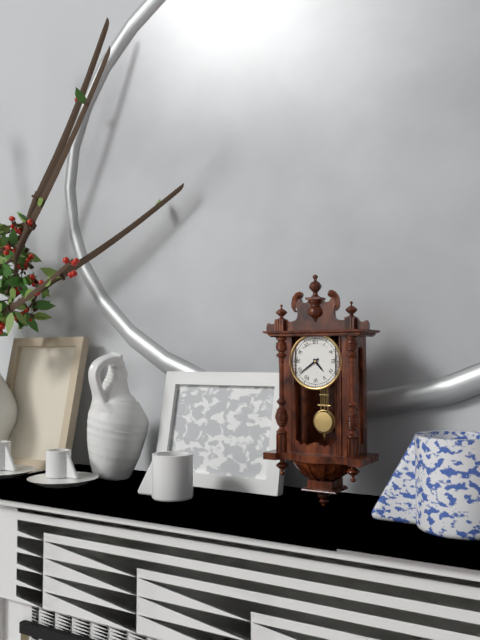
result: 4.39
